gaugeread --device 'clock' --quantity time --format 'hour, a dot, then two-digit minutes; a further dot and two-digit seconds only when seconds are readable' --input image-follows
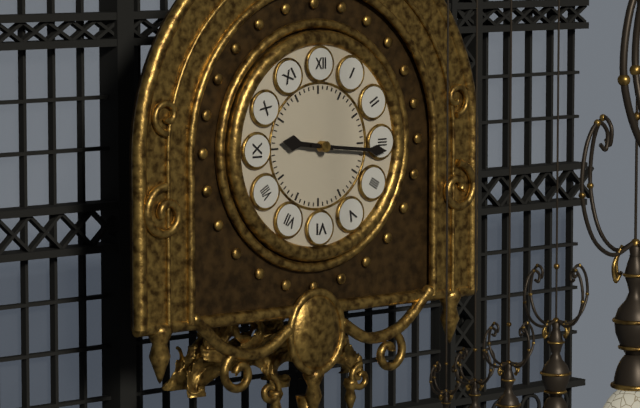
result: 9.16
